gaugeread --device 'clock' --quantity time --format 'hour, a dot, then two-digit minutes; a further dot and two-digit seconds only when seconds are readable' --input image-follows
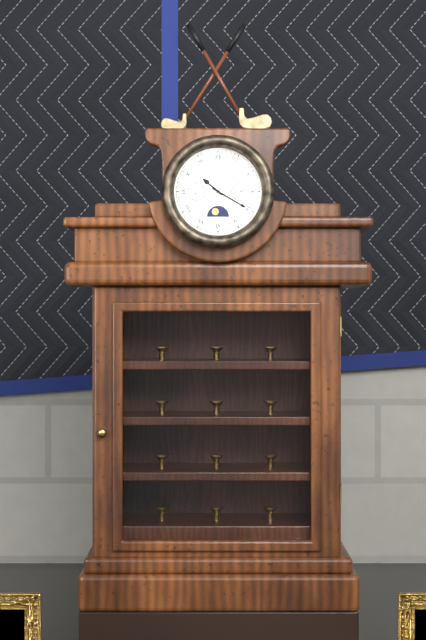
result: 10.20
